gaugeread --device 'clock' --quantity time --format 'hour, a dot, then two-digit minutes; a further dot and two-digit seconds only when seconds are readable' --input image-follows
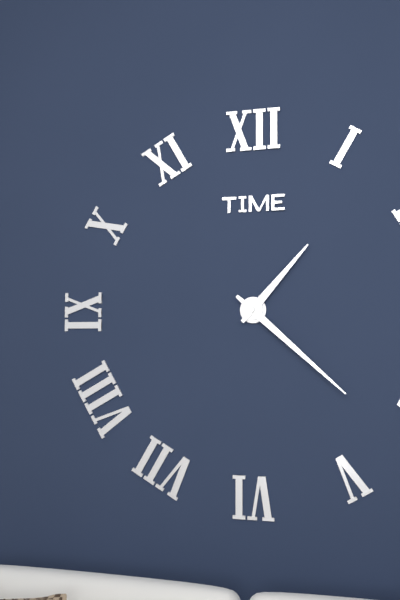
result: 1.22
